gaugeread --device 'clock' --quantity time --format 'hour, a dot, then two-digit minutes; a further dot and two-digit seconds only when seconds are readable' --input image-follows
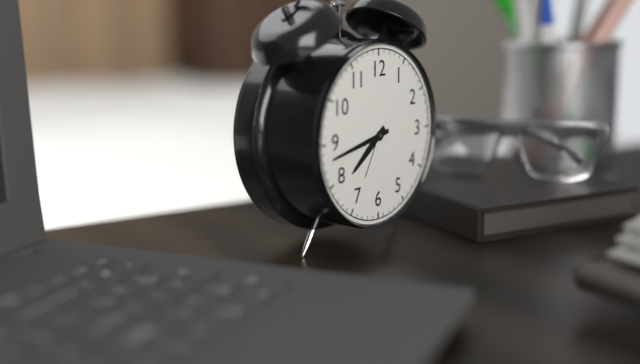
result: 7.43
